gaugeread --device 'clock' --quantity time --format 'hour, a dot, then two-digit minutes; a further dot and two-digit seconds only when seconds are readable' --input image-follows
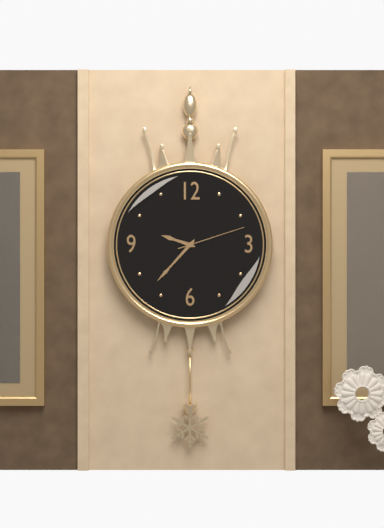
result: 9.37.12
